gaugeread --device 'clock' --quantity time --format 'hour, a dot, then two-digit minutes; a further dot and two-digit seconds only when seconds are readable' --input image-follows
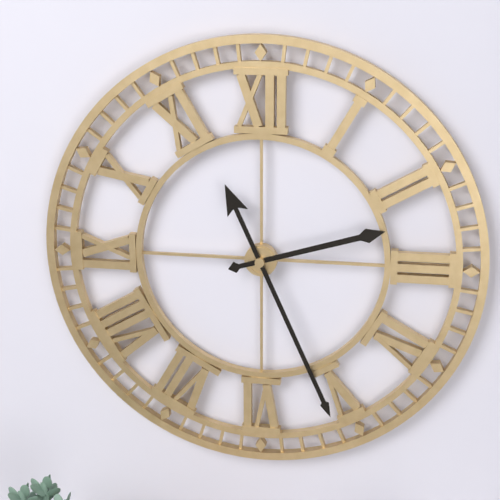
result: 2.26
